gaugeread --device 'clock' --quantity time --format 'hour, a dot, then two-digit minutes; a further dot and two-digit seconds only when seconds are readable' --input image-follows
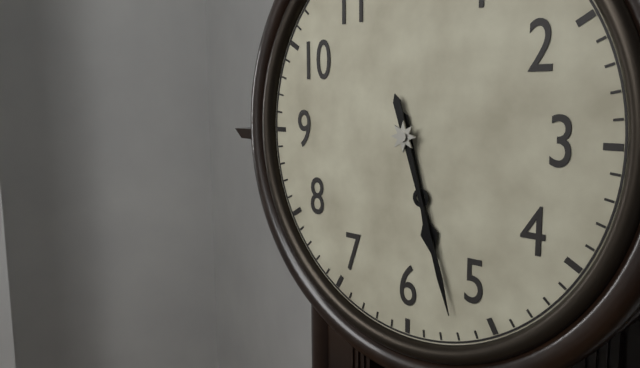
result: 5.27
